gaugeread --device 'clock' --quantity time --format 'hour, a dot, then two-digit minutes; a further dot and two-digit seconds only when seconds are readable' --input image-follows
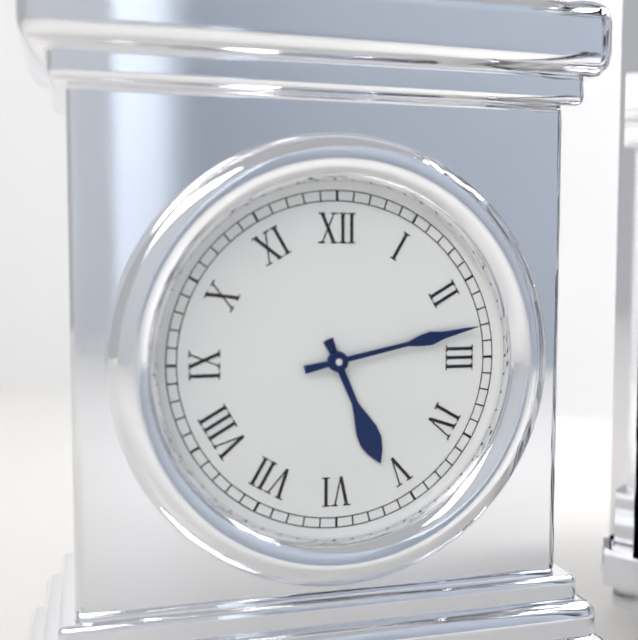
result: 5.13
